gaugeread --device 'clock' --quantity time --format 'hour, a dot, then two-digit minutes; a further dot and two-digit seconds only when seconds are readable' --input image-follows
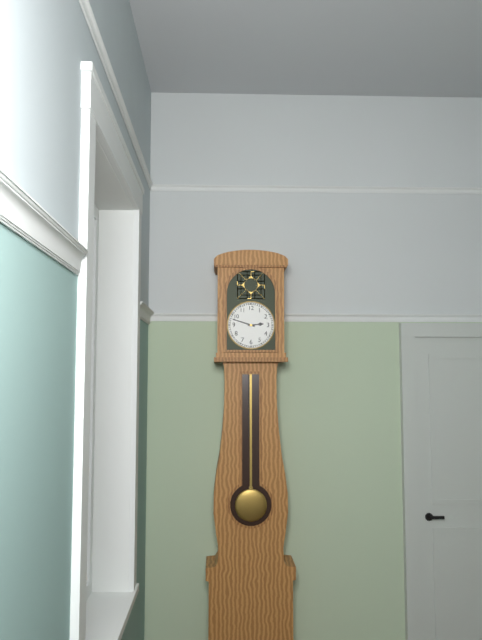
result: 2.48
